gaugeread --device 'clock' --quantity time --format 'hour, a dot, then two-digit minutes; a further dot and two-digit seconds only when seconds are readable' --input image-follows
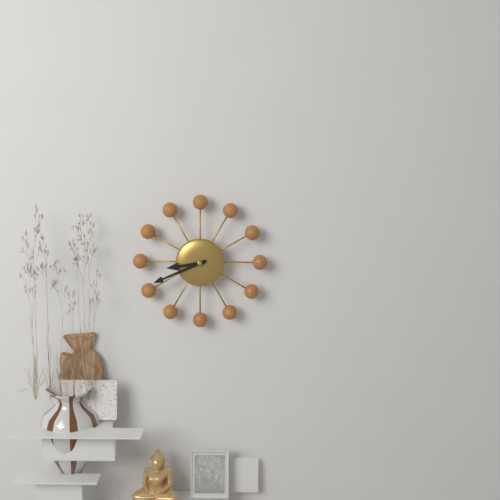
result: 8.41
